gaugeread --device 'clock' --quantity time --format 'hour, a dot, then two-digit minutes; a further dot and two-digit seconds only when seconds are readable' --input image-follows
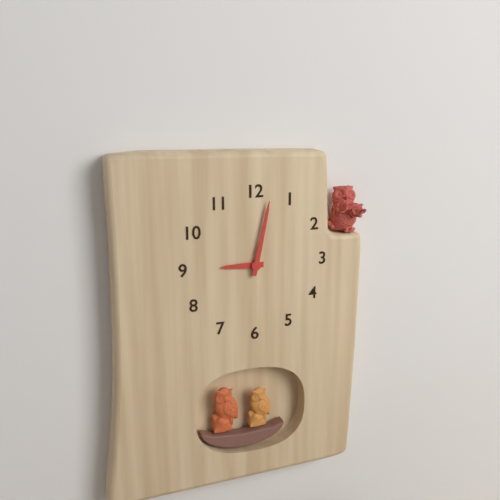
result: 9.02
